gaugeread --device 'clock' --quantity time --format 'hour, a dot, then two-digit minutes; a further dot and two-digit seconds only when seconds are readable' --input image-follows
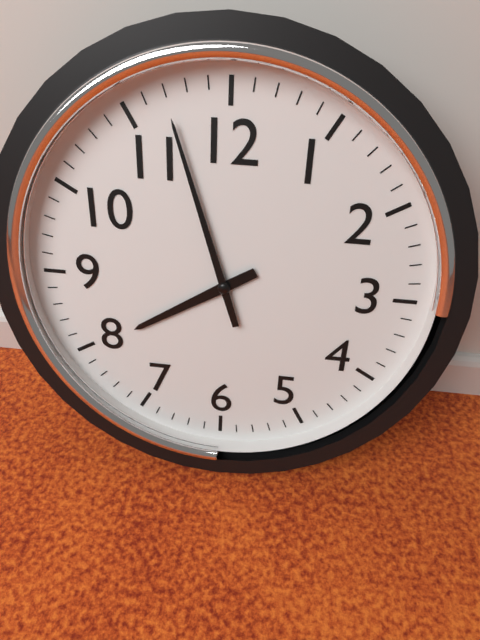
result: 7.57
